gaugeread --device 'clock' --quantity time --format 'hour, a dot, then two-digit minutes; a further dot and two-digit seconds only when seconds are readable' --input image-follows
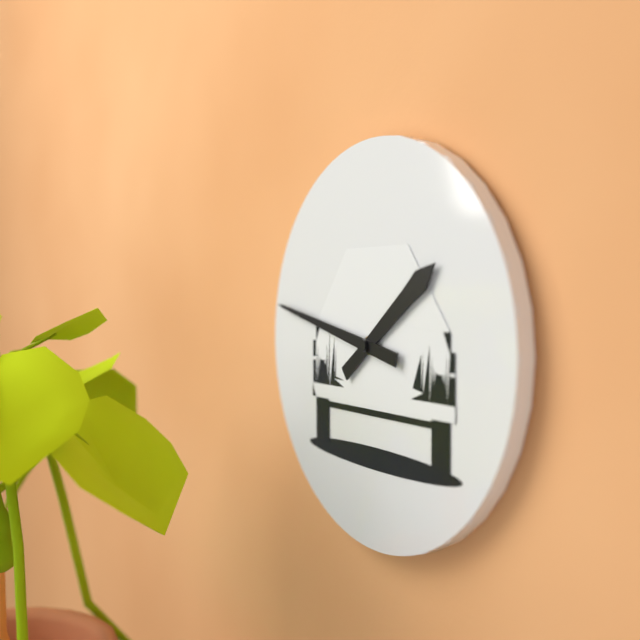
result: 1.47
